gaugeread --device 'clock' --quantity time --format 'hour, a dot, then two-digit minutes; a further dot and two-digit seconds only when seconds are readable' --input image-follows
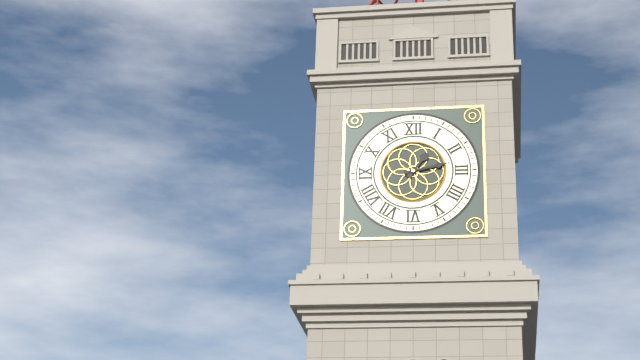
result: 1.13
